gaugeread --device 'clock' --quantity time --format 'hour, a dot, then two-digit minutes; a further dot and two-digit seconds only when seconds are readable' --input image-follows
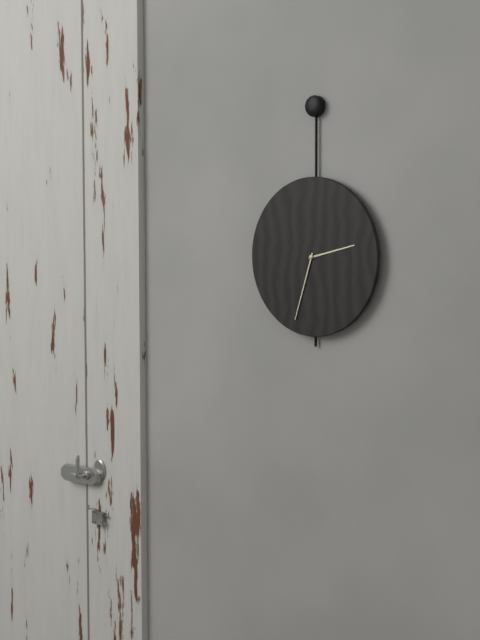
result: 2.33
